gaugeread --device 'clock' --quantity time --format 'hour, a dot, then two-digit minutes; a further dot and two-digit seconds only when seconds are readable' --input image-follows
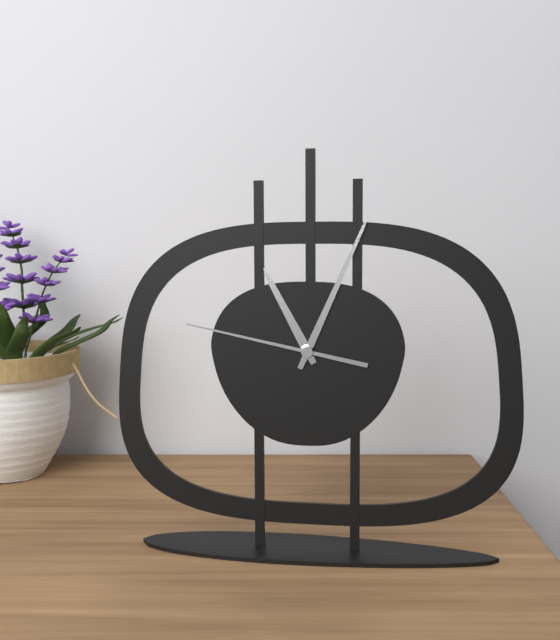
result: 11.04.47
